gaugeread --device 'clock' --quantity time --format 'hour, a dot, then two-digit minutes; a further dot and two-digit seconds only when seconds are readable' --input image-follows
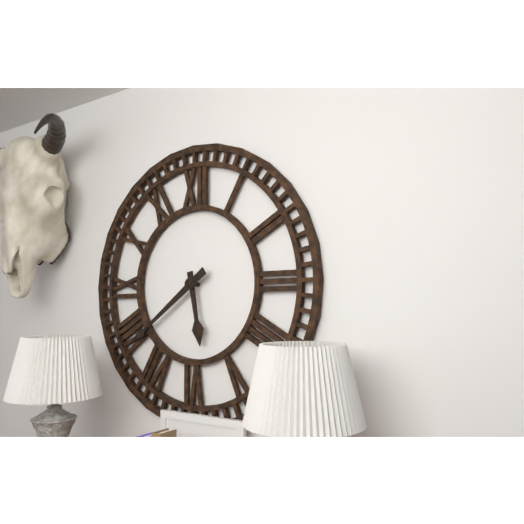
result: 5.39
